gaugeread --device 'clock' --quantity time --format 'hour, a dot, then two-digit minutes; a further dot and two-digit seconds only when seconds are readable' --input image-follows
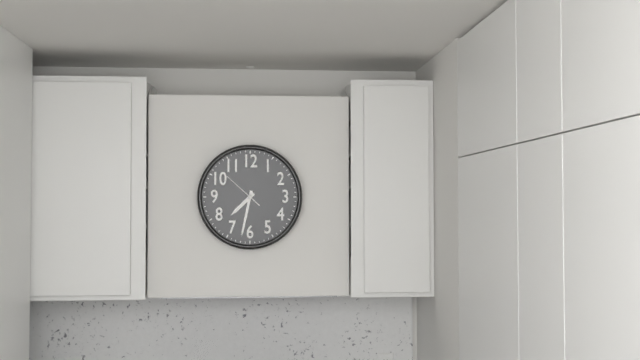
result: 7.32
